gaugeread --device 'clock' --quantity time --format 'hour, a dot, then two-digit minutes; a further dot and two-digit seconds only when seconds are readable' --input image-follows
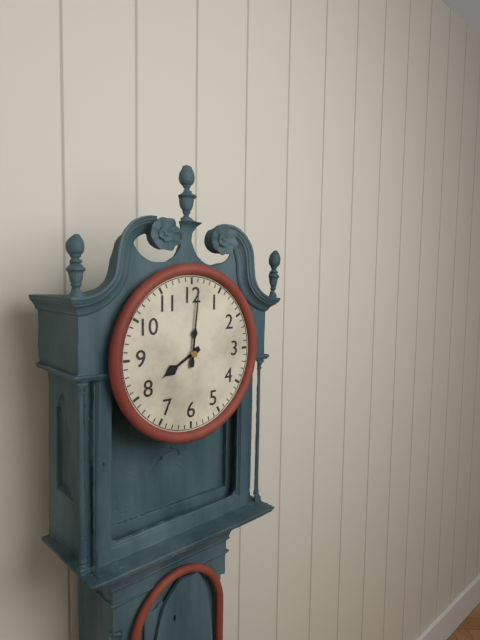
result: 8.01
